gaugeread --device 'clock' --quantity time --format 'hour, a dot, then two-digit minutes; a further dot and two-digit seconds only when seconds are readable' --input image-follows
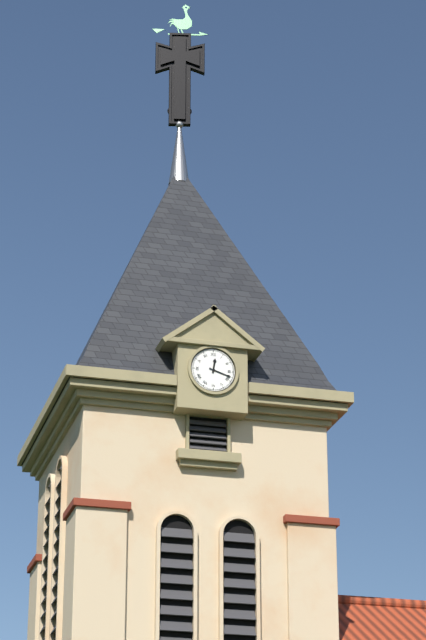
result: 12.18
